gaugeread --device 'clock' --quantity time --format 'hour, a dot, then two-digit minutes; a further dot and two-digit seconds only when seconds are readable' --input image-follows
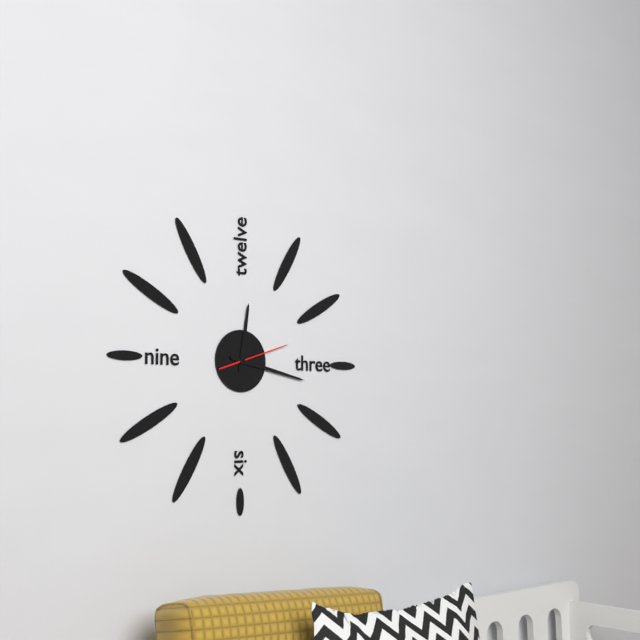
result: 12.17.12
